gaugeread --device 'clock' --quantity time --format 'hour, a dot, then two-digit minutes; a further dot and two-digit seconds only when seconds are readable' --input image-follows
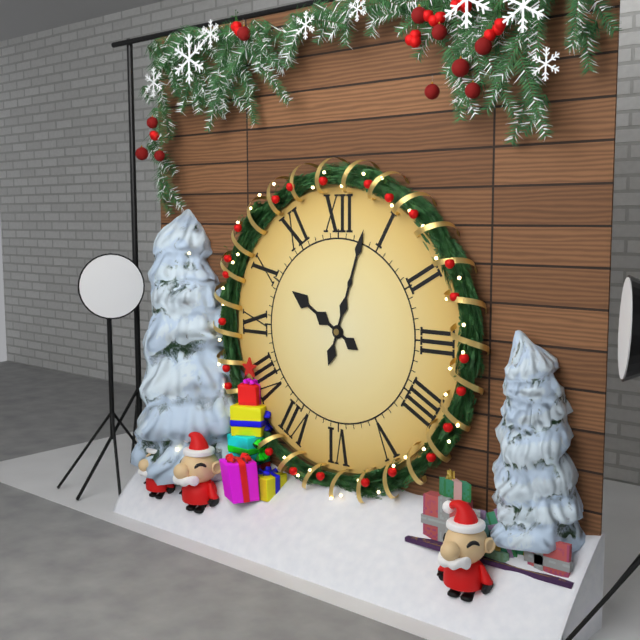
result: 10.03
